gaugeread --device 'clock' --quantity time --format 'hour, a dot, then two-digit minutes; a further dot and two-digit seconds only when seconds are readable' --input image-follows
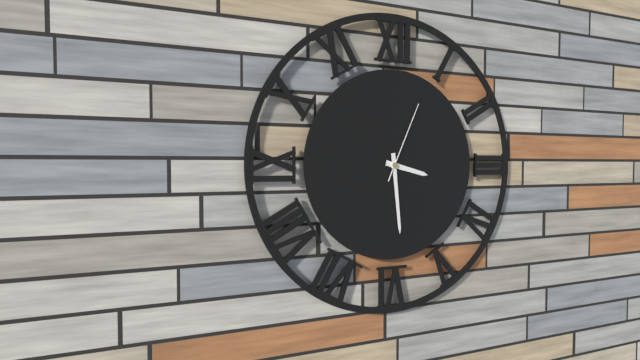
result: 3.29.04
